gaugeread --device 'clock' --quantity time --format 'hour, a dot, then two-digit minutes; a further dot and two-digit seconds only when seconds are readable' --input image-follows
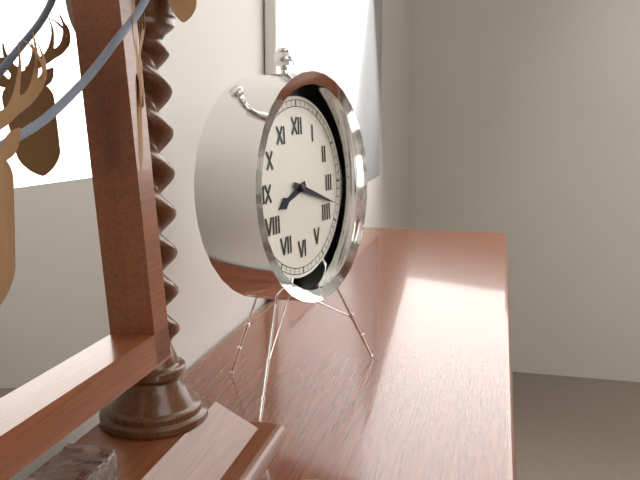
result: 8.18
